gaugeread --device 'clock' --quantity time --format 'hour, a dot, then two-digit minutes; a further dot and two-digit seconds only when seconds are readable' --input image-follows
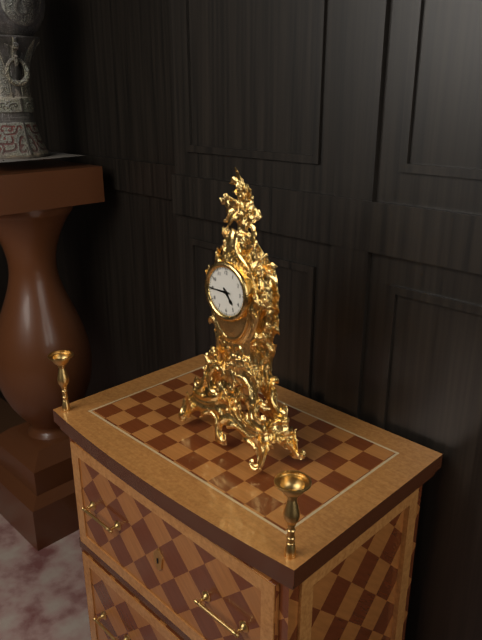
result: 4.45
